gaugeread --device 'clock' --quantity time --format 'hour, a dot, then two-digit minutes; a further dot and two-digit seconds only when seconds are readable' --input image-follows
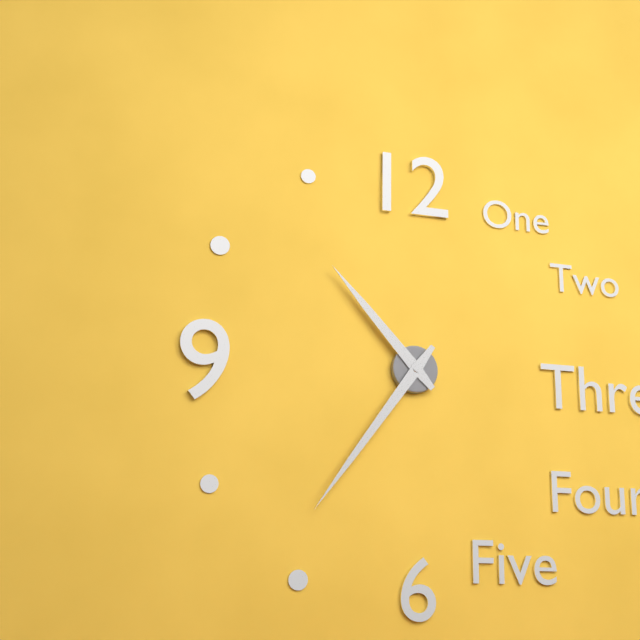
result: 10.36
